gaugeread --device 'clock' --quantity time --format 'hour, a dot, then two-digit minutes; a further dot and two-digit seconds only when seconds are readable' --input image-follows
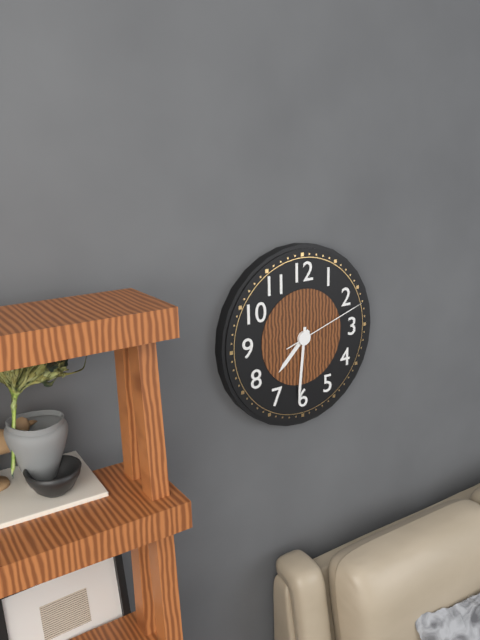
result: 7.31.12
